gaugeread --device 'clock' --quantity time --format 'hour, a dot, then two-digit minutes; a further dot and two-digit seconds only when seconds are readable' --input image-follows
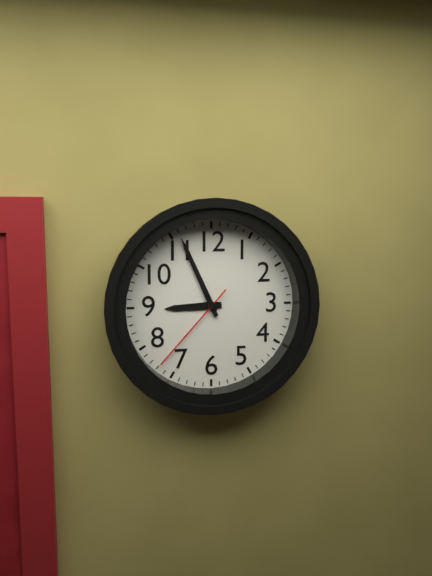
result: 8.56.37
